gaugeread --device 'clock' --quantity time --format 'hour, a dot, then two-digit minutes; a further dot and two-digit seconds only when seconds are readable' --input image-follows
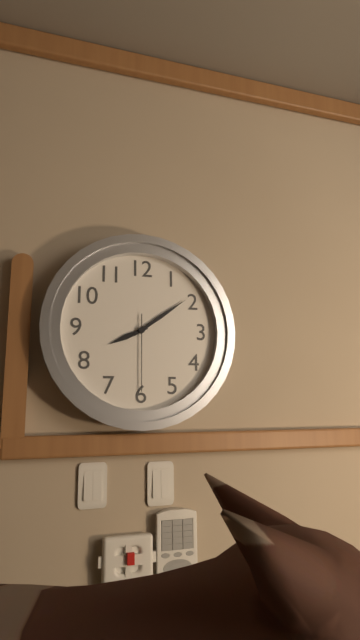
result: 8.09.30
